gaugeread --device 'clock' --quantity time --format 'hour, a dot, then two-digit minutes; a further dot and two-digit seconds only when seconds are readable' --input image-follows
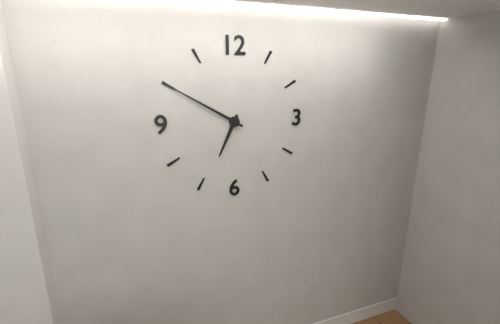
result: 6.50
